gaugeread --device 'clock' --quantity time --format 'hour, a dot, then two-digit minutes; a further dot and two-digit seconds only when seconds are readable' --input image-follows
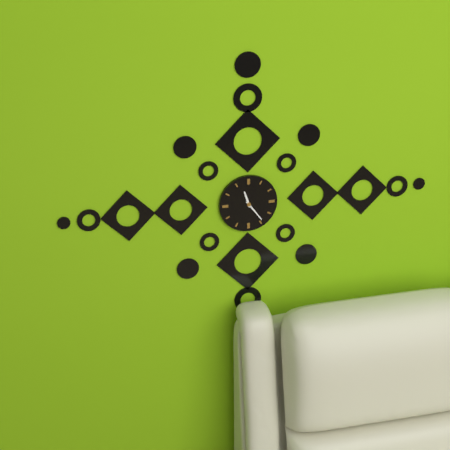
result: 11.24
